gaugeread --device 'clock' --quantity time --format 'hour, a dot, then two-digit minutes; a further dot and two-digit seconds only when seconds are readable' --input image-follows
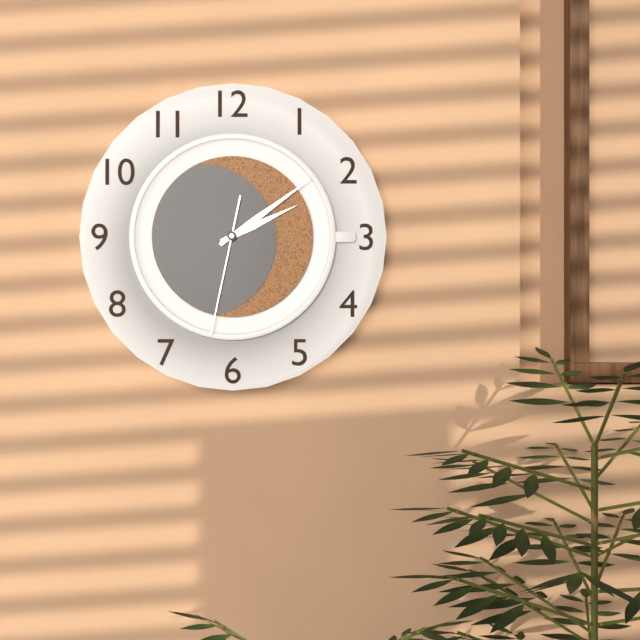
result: 2.09.32
